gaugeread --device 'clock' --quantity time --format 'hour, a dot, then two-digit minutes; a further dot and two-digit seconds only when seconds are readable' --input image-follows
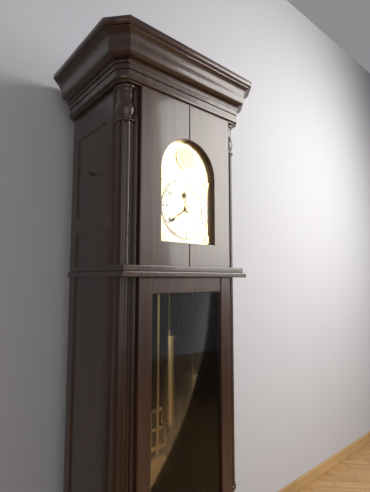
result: 11.39
